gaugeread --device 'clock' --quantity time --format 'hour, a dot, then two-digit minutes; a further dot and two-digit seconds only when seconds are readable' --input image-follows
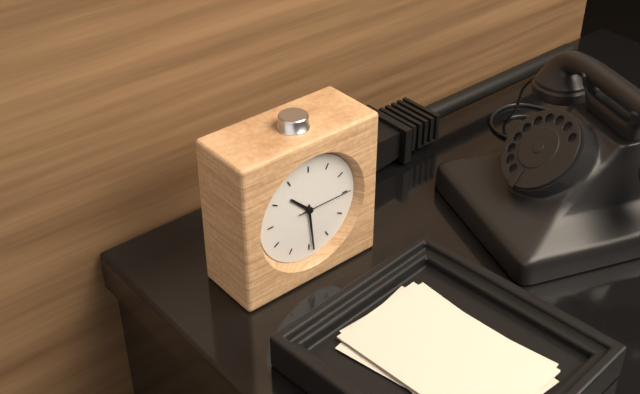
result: 10.29.15
